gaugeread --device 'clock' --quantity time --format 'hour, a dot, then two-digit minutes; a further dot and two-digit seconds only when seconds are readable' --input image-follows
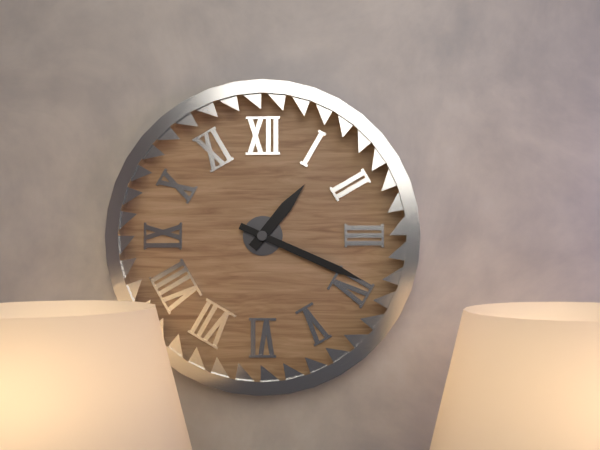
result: 1.19
